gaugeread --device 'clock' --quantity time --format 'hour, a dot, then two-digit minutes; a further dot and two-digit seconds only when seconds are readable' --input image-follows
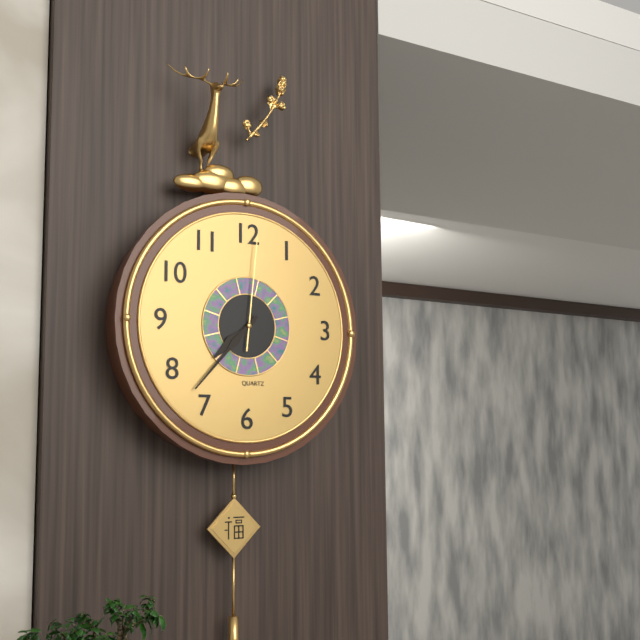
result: 7.37.01
